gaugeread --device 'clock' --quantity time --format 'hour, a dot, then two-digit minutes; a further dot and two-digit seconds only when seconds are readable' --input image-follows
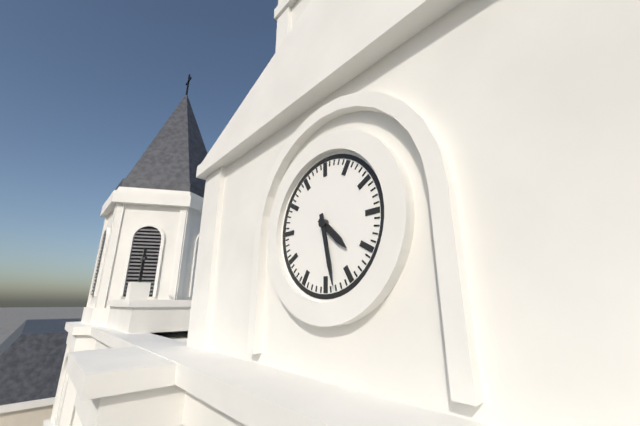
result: 4.28
